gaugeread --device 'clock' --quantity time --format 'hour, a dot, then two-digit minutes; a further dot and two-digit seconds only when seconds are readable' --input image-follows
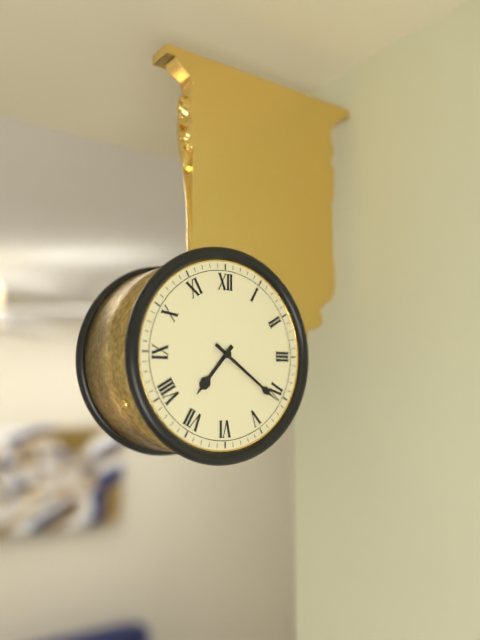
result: 7.21
